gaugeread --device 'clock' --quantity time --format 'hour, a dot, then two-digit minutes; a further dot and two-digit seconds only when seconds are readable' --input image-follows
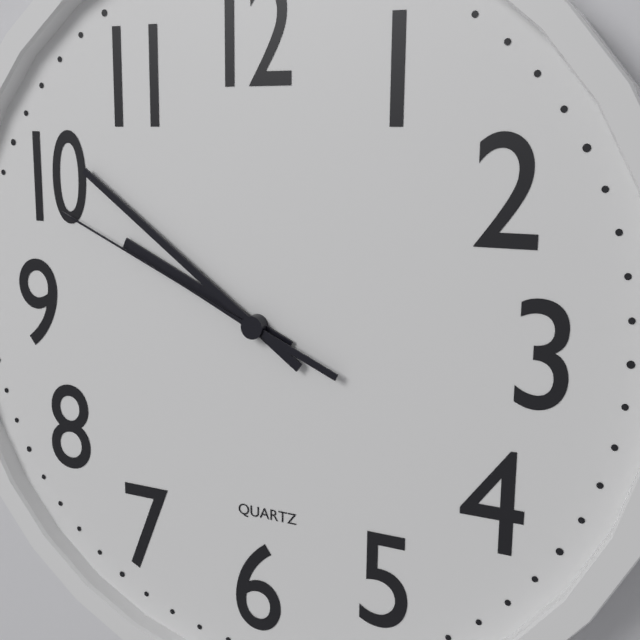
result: 9.51.49
